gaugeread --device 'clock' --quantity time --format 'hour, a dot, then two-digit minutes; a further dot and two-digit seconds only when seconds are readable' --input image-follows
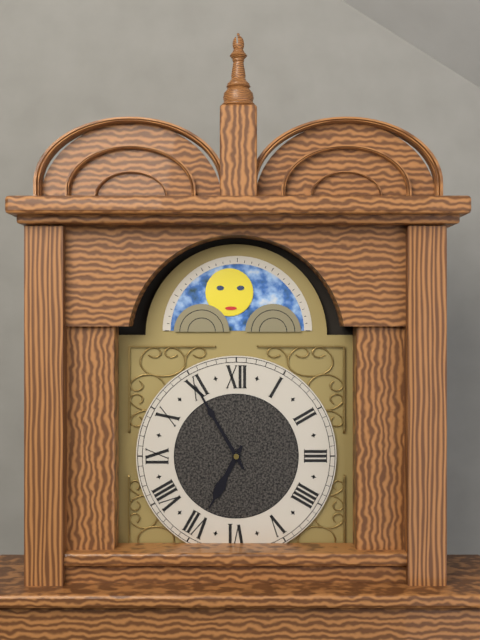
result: 6.55
